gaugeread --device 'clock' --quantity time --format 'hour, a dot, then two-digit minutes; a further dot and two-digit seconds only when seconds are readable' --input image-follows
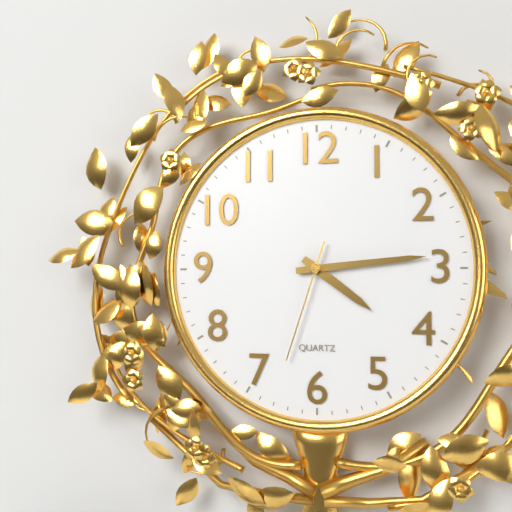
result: 4.14.33
